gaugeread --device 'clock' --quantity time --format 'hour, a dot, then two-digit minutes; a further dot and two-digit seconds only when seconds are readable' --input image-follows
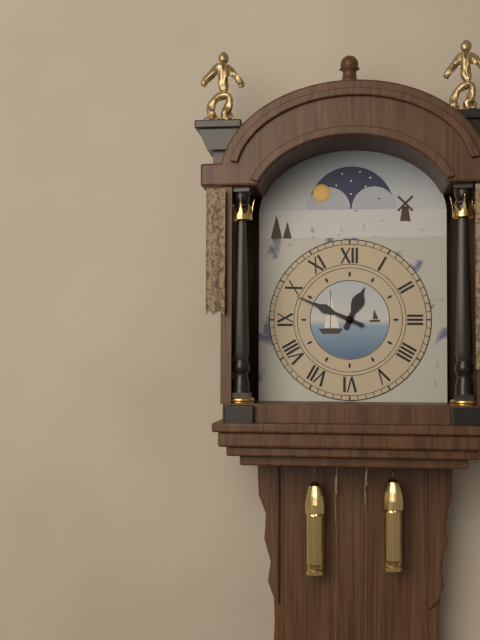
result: 12.49
